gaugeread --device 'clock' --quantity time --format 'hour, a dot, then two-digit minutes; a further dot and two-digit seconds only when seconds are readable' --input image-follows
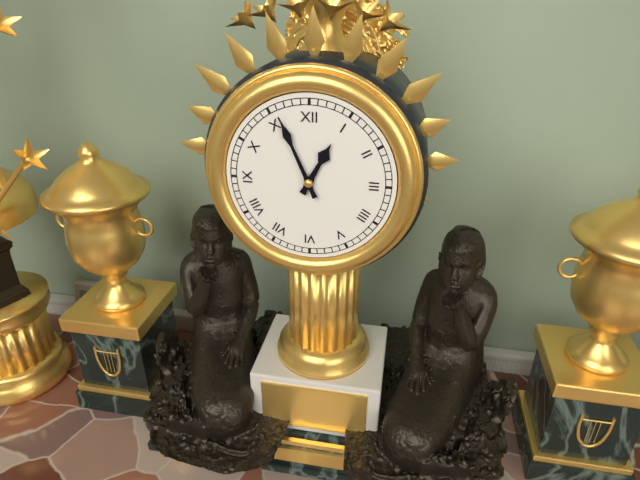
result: 12.56
